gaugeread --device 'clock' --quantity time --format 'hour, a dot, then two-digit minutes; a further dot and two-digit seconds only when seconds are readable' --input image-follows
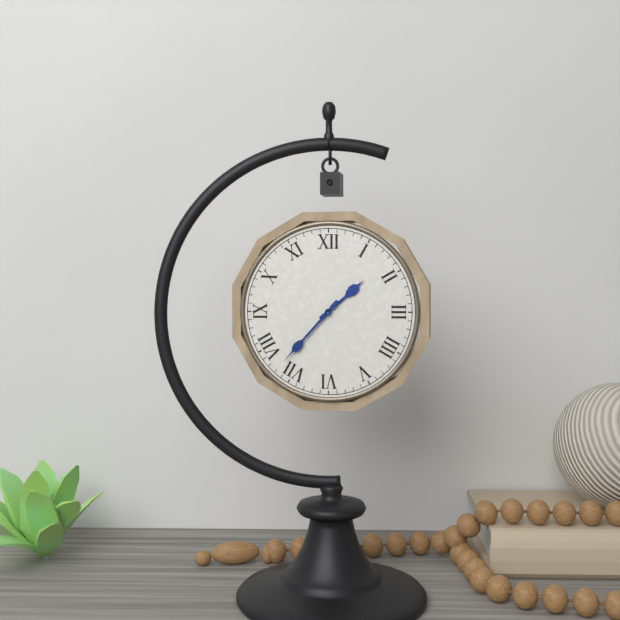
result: 1.37
